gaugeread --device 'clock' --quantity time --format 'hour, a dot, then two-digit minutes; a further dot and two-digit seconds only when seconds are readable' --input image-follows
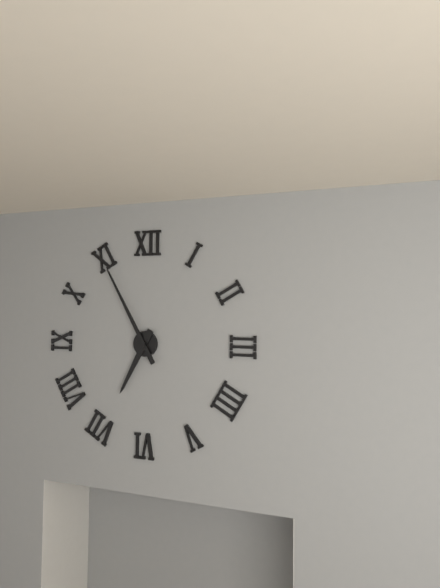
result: 6.55
